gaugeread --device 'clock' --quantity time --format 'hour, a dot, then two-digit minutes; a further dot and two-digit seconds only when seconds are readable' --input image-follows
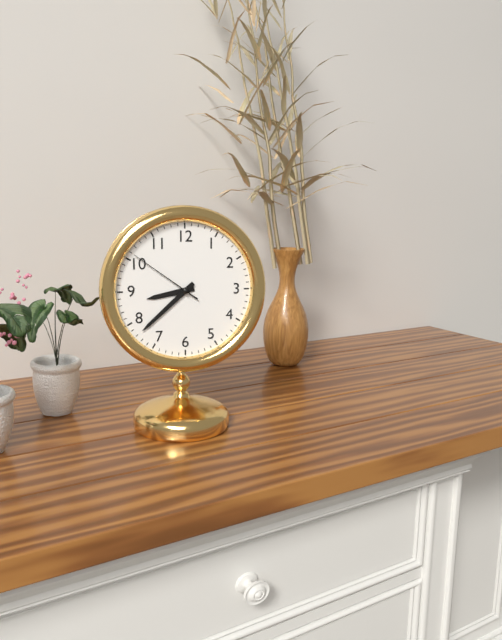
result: 8.38.51
